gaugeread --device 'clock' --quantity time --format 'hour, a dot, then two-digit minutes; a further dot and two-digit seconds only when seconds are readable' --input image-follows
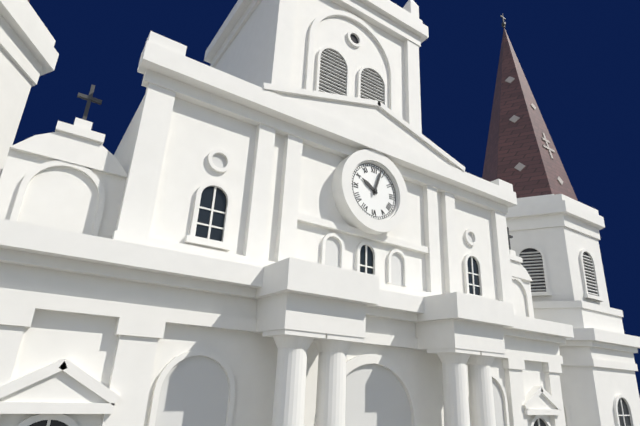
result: 10.03
